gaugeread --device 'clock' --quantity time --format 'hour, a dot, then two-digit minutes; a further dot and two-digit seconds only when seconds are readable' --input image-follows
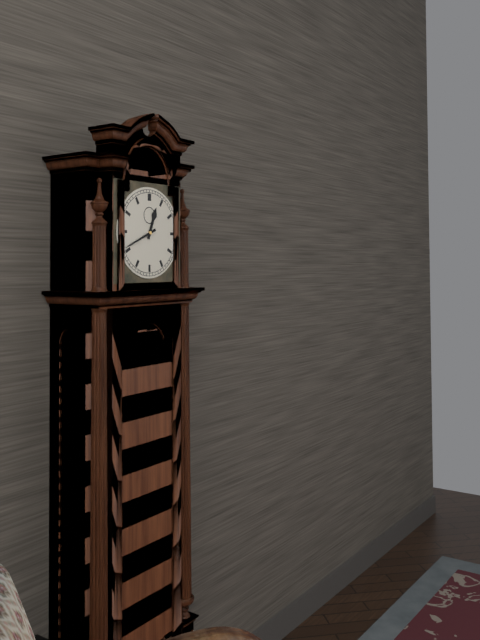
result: 12.41
